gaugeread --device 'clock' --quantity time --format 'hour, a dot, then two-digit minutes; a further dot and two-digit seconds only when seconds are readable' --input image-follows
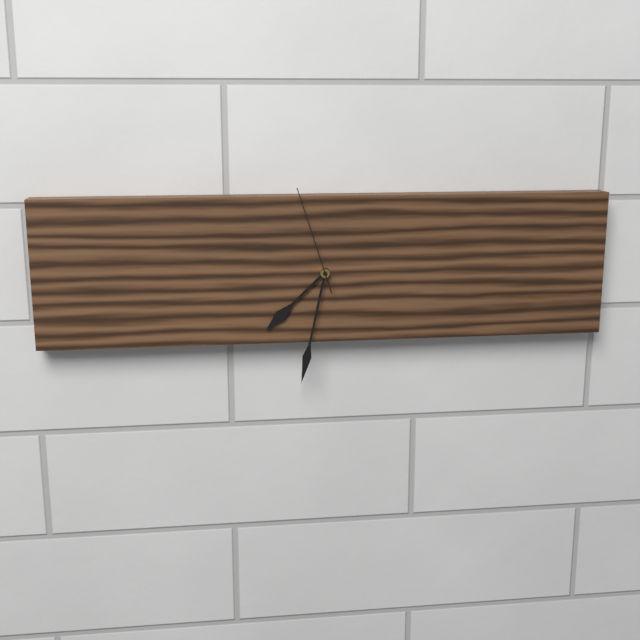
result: 7.32.57
